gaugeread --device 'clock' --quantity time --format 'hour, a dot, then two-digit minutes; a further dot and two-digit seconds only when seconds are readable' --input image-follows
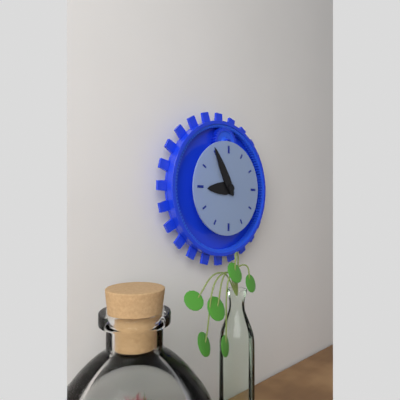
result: 8.55
